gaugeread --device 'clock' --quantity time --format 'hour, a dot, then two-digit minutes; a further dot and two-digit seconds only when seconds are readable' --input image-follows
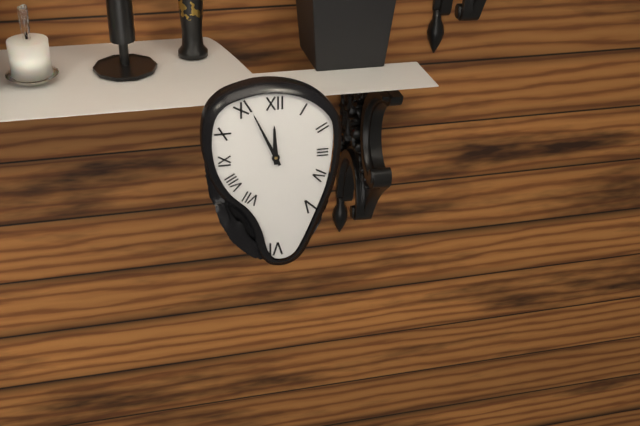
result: 11.56
